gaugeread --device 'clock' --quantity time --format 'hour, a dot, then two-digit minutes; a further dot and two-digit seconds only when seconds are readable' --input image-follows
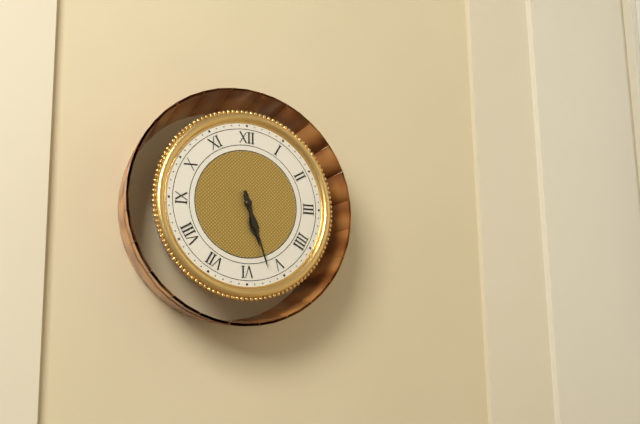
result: 5.27
